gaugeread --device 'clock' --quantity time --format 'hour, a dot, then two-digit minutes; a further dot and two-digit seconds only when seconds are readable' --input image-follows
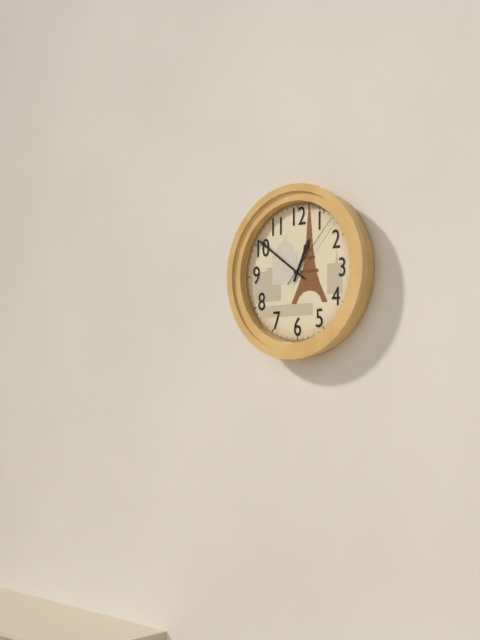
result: 12.51.07
